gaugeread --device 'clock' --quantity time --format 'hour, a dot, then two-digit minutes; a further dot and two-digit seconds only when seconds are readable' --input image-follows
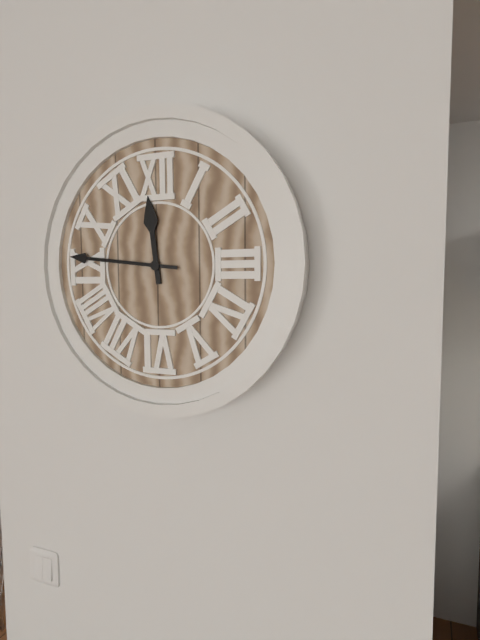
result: 11.46
